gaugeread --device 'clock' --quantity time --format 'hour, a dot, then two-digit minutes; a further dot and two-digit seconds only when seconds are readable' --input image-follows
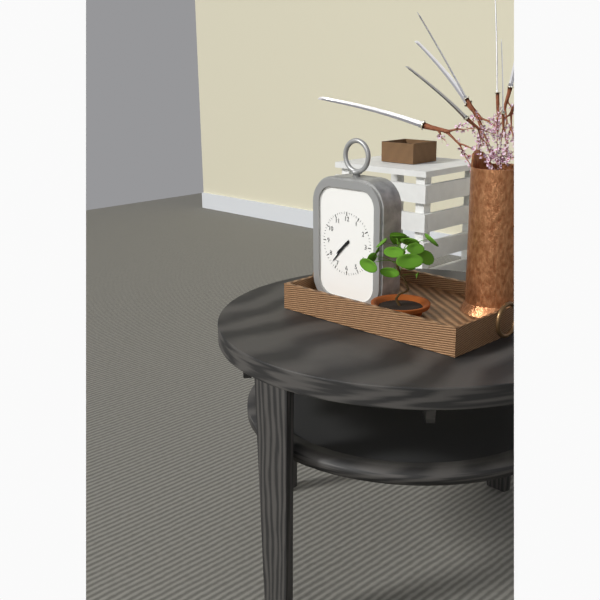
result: 7.37
